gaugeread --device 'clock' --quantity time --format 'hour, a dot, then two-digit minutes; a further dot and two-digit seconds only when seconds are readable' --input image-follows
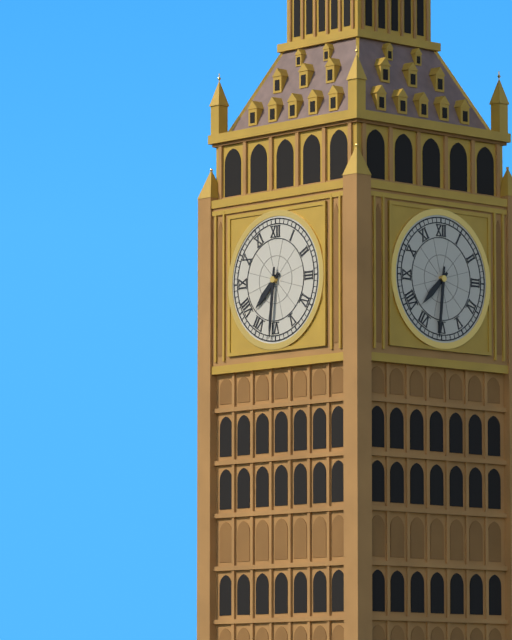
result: 7.31
